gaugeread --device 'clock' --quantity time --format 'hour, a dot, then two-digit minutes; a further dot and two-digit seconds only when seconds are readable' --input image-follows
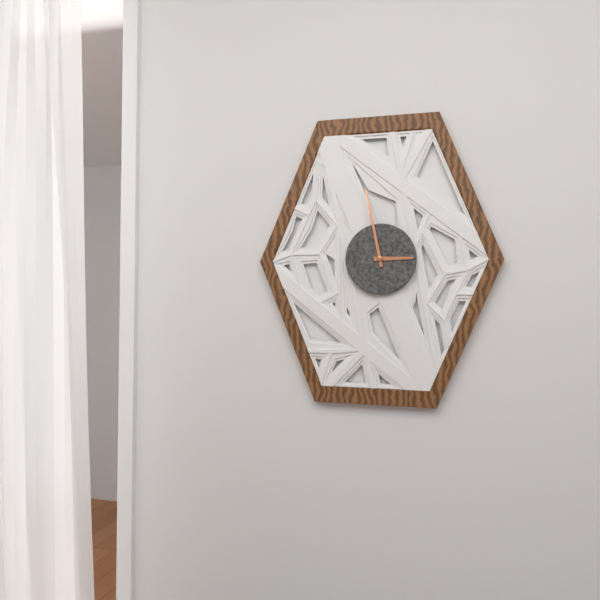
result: 2.58
